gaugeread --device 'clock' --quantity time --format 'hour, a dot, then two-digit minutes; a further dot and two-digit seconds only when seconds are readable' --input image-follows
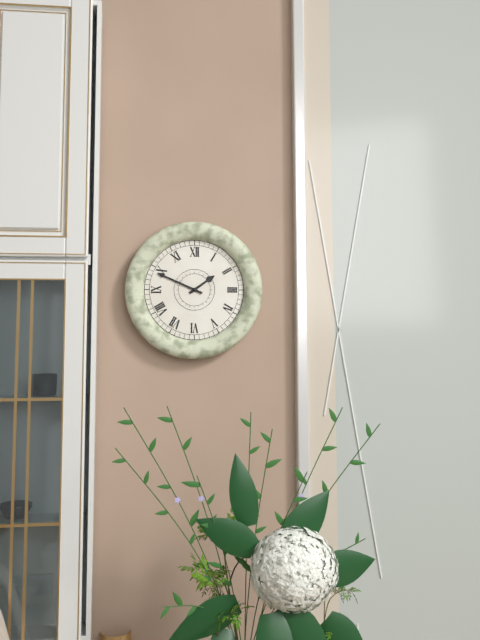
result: 1.49
